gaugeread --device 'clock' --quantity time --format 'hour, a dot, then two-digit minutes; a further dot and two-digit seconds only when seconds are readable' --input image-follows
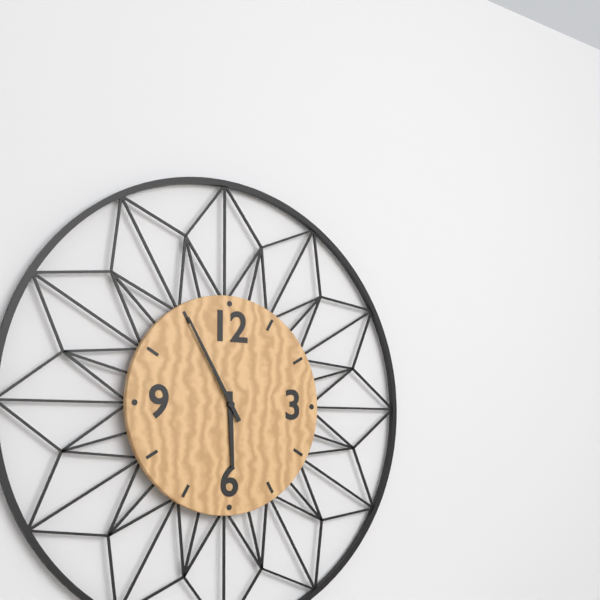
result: 5.55
